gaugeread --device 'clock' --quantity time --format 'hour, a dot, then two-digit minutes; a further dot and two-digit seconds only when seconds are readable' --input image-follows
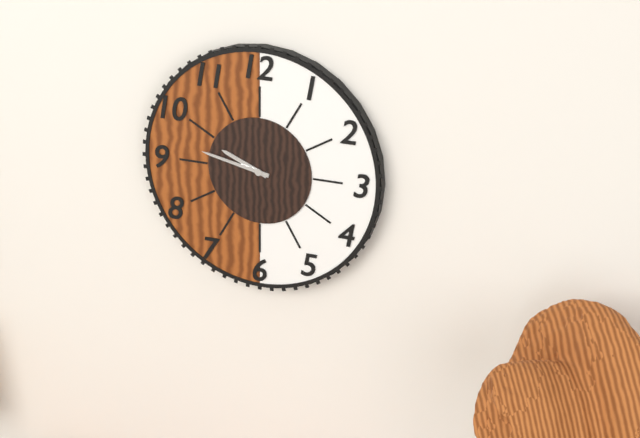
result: 9.47
